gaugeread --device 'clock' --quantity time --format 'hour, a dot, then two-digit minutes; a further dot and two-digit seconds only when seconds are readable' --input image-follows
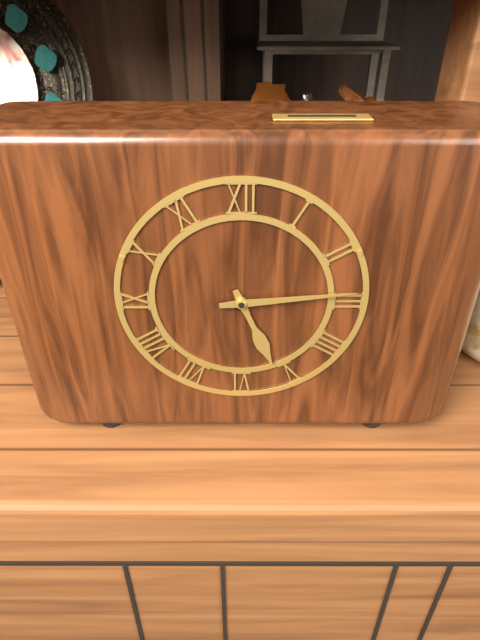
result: 5.14
